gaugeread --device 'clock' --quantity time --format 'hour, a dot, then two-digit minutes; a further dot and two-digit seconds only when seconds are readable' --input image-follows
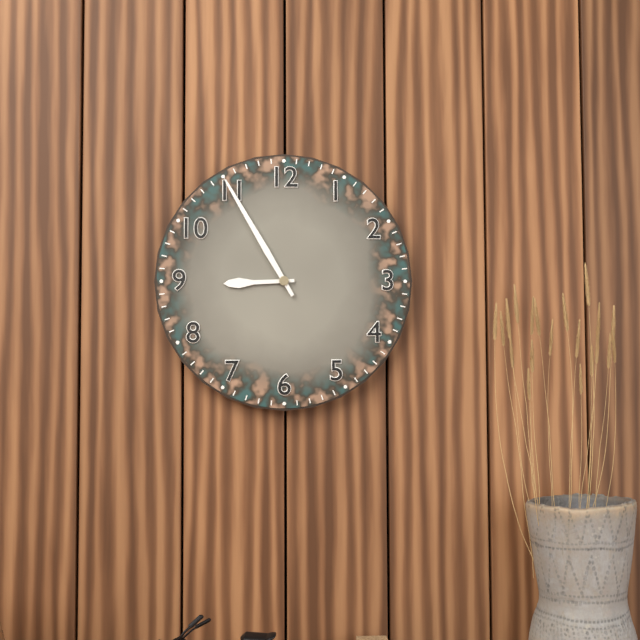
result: 8.55
